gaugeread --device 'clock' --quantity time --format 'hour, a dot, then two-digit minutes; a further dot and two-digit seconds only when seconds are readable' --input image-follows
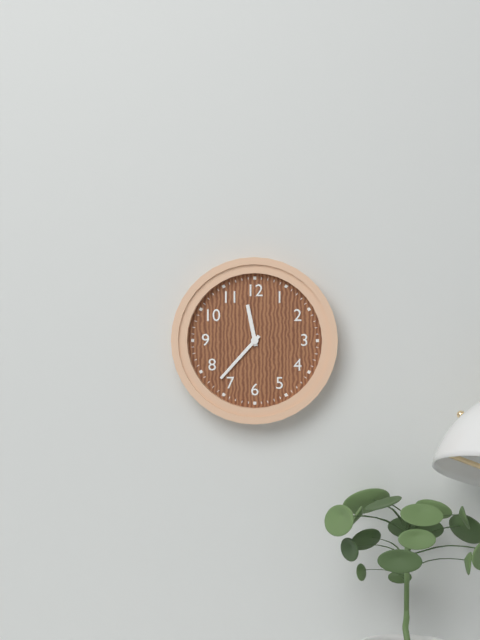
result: 11.37
